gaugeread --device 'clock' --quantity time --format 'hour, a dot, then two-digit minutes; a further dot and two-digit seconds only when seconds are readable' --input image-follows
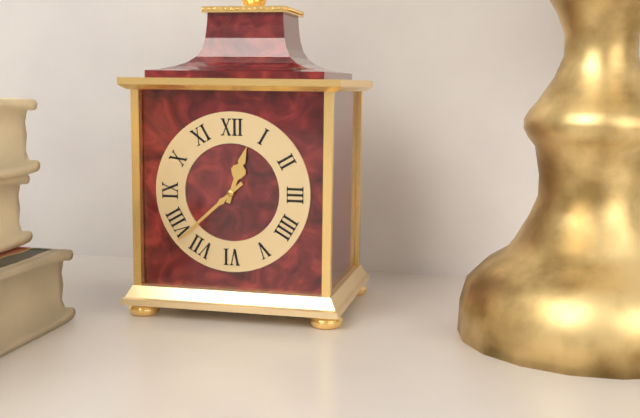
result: 12.38
